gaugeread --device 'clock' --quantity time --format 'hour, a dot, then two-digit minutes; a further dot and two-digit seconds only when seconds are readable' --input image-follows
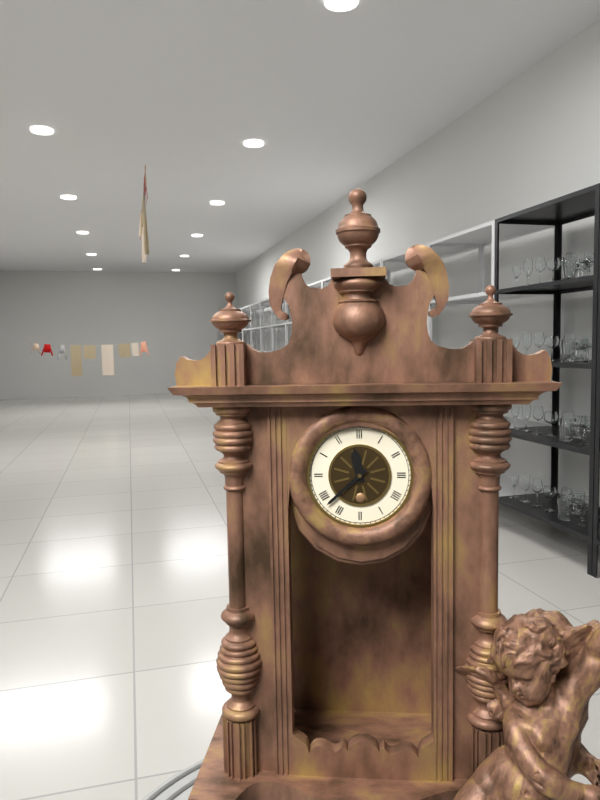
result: 11.38
